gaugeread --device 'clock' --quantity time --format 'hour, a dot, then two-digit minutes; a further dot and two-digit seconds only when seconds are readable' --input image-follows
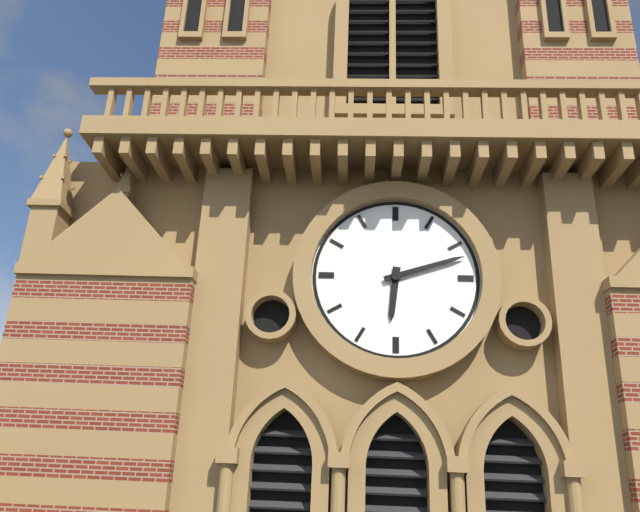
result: 6.12
